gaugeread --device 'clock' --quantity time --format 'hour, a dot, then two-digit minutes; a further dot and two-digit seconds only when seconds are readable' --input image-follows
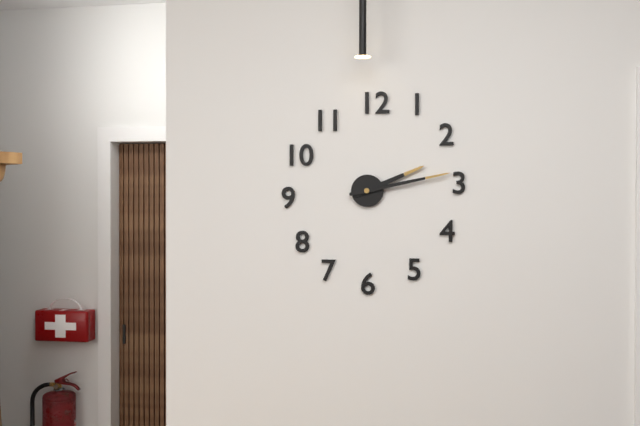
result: 2.13
